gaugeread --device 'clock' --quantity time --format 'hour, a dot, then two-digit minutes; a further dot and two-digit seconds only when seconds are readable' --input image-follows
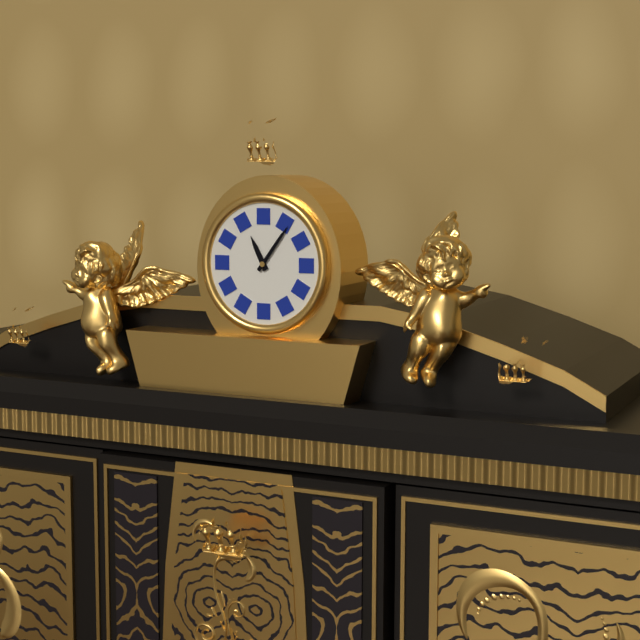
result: 11.06
